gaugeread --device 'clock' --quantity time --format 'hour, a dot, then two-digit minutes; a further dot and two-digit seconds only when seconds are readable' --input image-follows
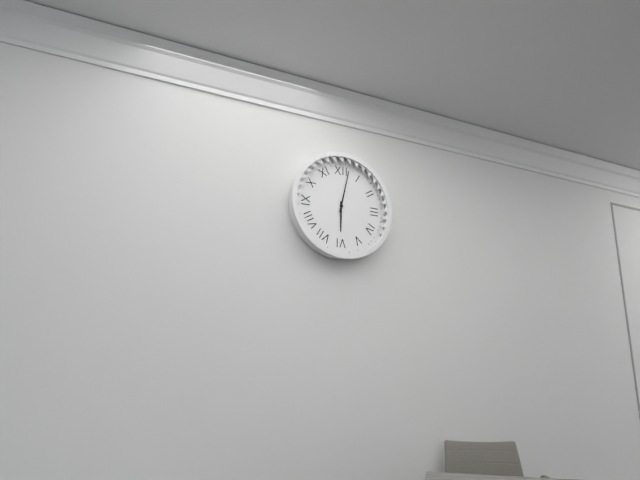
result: 6.02
